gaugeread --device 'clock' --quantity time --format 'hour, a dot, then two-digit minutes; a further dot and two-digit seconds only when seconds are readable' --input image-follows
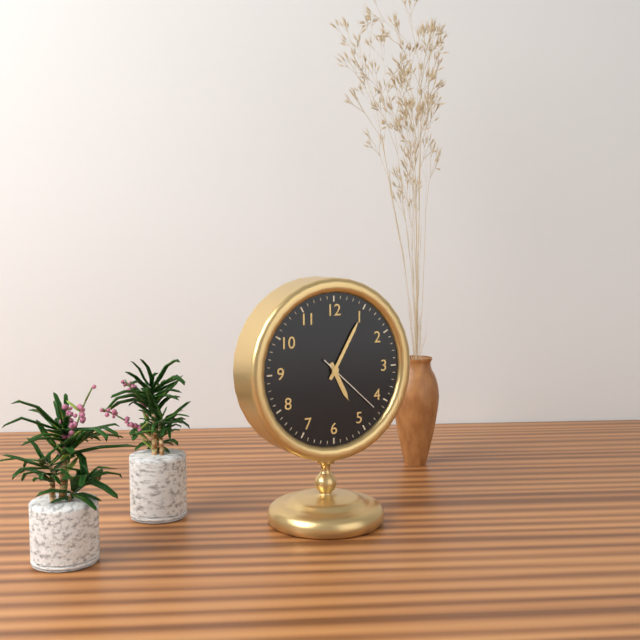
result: 5.05.22
